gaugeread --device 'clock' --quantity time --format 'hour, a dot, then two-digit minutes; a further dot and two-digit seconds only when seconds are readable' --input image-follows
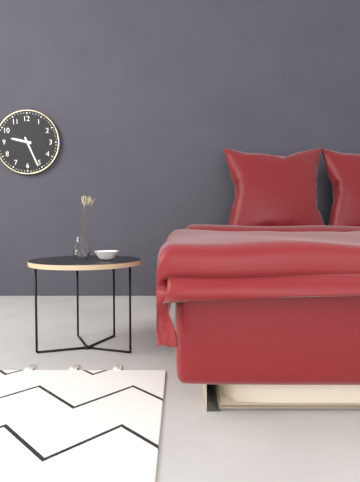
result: 9.26
